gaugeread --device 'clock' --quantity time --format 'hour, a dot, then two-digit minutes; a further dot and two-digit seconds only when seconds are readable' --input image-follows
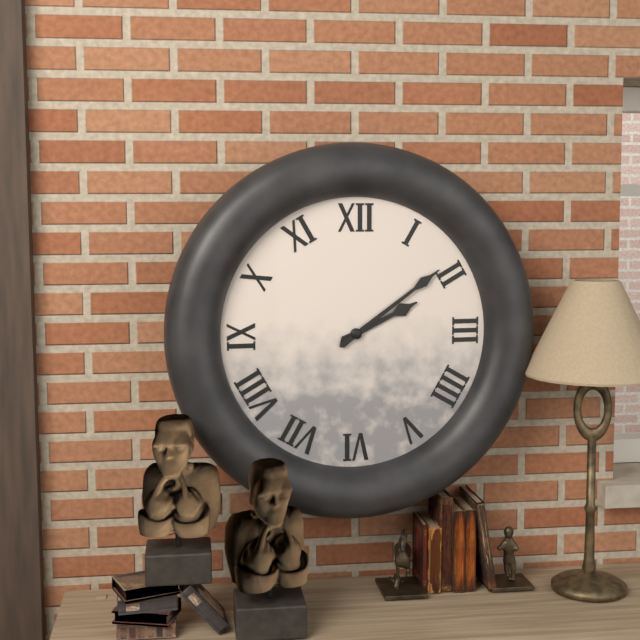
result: 2.09
